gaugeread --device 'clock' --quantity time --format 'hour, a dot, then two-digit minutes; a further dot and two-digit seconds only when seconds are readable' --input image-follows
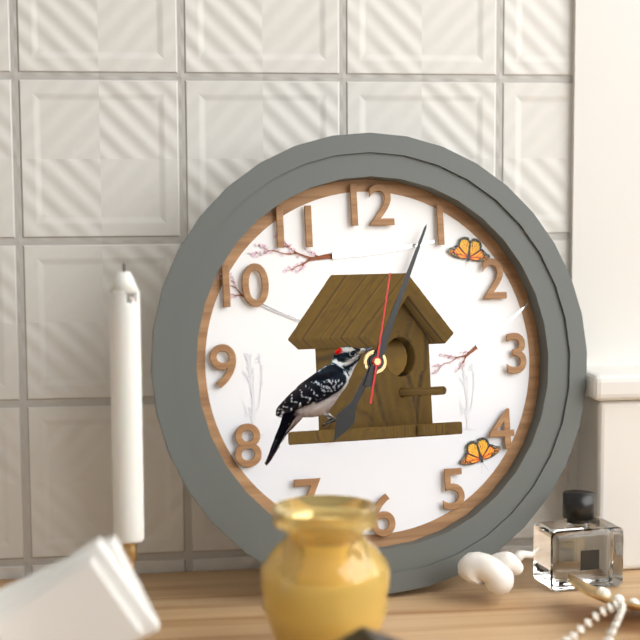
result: 7.04.02
